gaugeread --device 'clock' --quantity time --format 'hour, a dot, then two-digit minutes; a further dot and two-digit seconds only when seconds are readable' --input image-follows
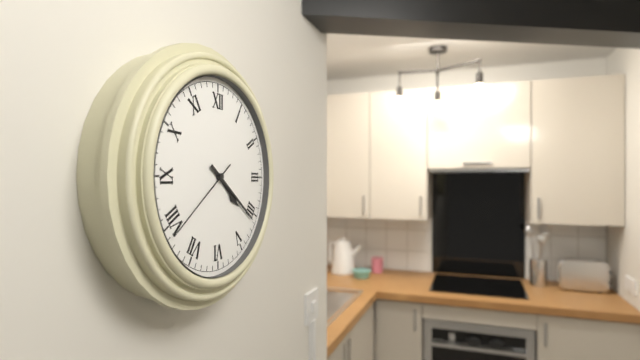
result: 4.21.39
